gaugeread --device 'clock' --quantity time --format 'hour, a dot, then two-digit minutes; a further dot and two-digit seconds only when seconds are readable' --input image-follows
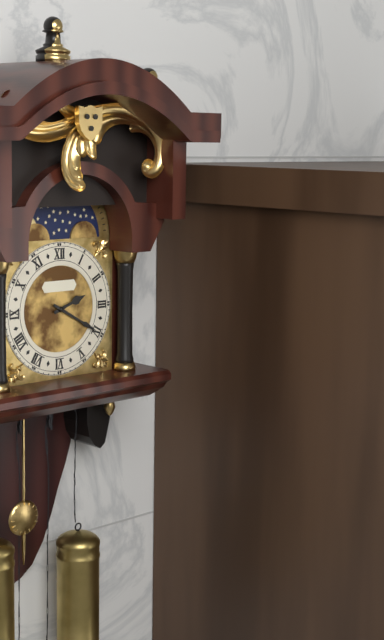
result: 2.20
